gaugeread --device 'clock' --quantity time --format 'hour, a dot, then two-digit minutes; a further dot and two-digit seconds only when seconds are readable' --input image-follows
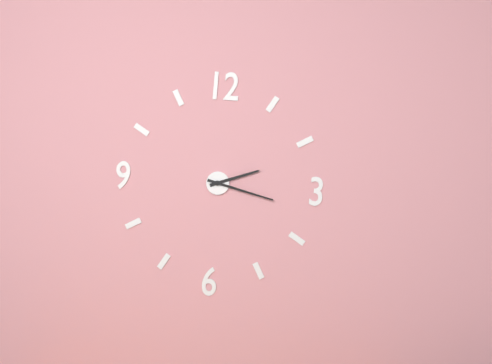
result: 2.17
